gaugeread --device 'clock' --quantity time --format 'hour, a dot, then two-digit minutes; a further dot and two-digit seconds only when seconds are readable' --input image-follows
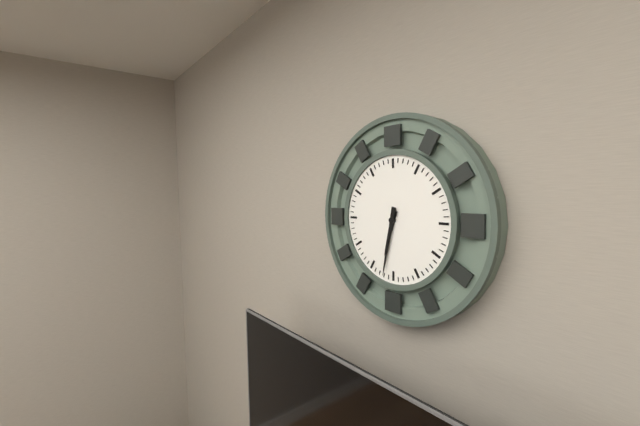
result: 6.32
